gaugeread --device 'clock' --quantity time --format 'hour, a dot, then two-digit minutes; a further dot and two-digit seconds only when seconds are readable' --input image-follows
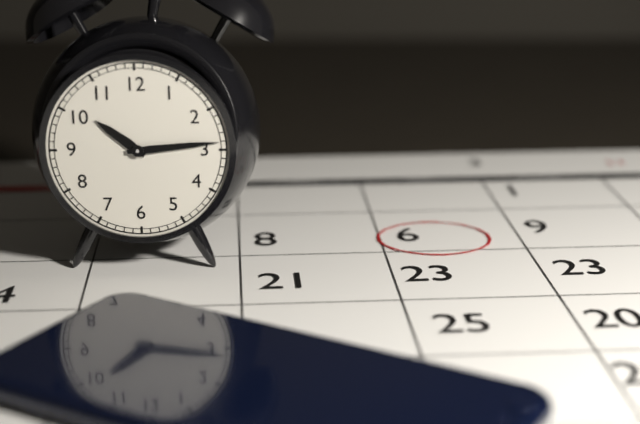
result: 10.14
